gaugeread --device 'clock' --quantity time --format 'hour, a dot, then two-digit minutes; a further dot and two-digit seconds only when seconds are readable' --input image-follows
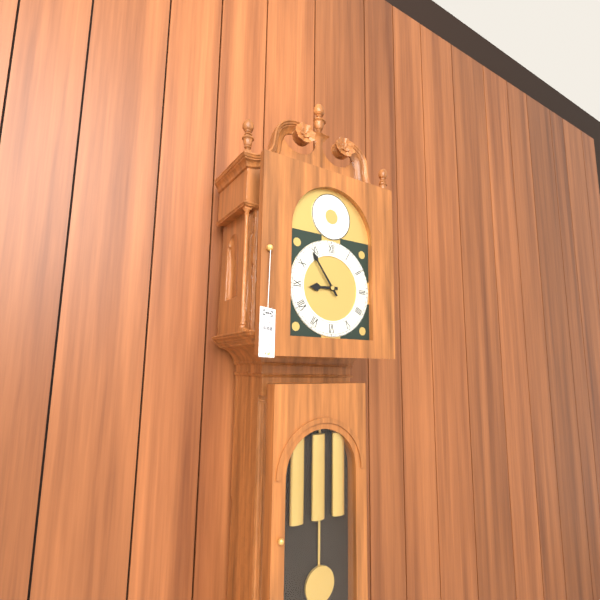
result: 8.54
